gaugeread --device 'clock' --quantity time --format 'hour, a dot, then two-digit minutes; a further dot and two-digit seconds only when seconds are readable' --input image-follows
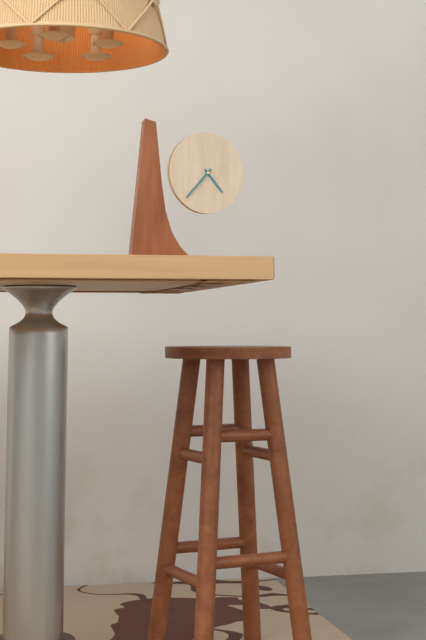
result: 4.37
